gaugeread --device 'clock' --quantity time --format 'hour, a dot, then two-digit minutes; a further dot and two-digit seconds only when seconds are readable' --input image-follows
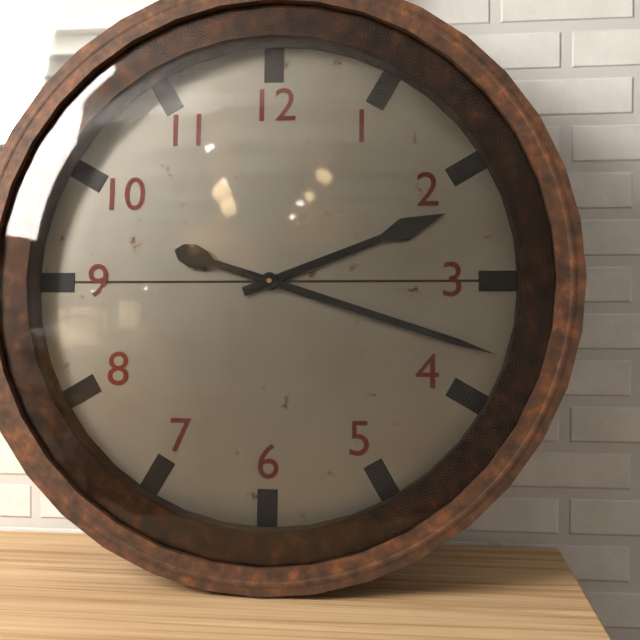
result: 2.18
